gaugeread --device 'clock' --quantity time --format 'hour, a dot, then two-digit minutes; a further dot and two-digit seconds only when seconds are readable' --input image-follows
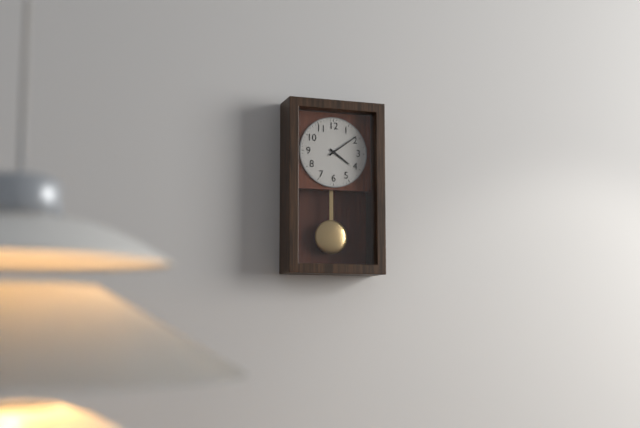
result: 4.09
